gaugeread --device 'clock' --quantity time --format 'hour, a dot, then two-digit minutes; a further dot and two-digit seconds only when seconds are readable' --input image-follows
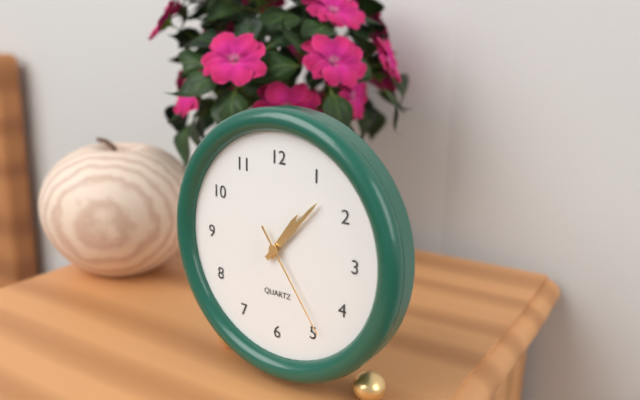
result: 1.07.24
